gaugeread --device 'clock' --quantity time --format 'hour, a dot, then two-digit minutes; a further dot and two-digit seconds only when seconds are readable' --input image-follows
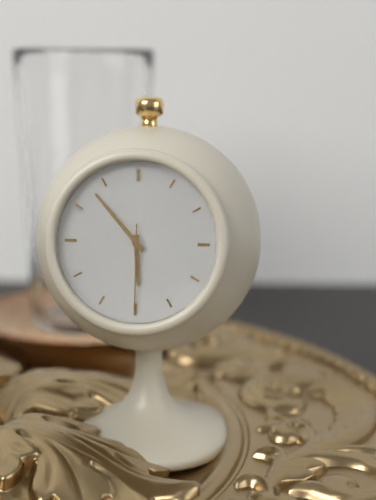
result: 5.53.30
